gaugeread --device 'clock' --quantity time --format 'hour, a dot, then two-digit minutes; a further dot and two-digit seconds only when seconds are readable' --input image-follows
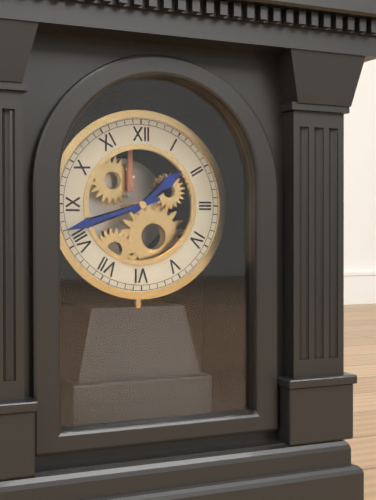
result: 1.42
